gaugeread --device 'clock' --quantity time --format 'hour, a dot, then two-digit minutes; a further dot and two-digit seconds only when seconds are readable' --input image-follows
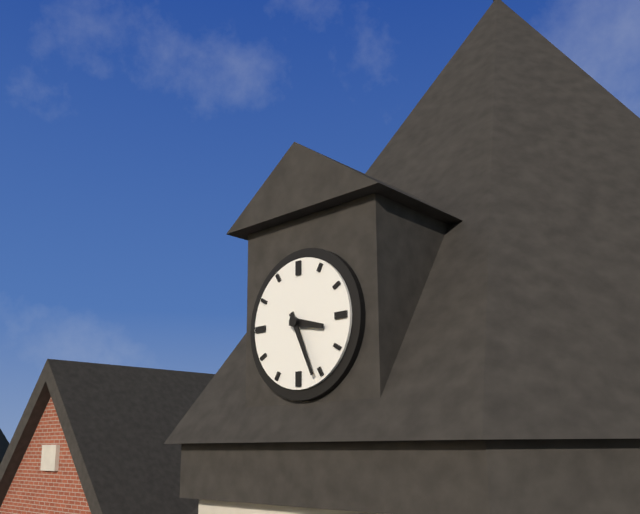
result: 3.26
